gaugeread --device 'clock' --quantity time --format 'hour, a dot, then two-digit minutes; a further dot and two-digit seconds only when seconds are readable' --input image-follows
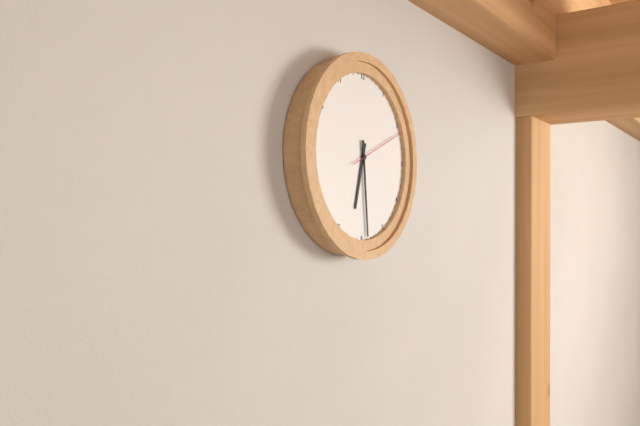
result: 6.29.11
